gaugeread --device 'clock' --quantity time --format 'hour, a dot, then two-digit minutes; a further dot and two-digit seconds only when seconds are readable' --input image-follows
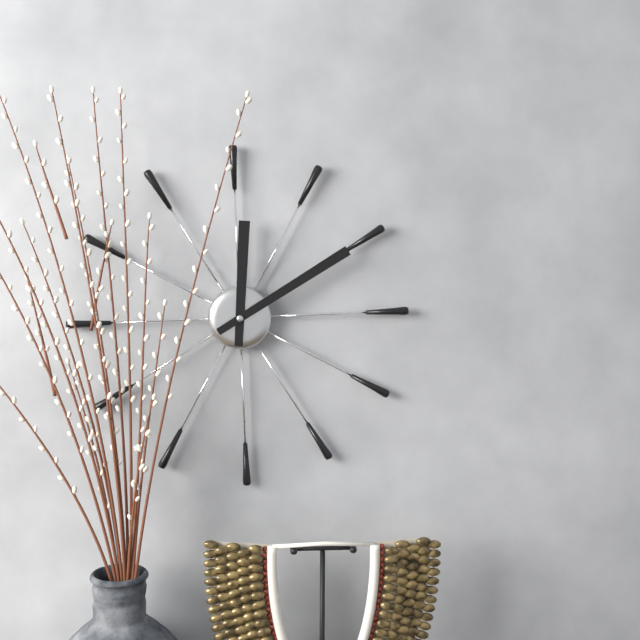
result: 12.10
